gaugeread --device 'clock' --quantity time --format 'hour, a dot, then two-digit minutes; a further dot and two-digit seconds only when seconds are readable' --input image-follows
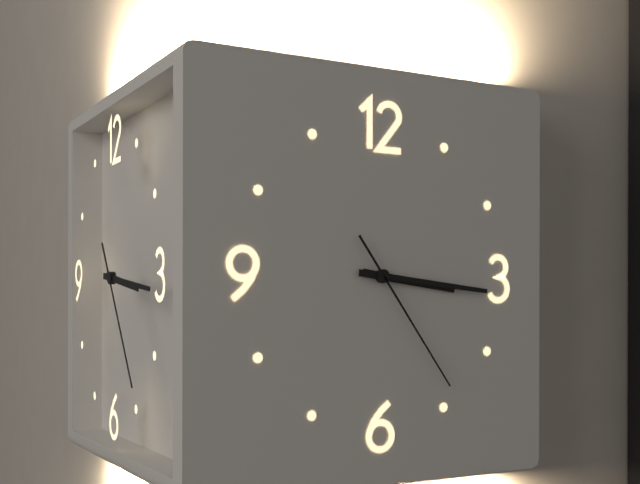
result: 3.16.24
